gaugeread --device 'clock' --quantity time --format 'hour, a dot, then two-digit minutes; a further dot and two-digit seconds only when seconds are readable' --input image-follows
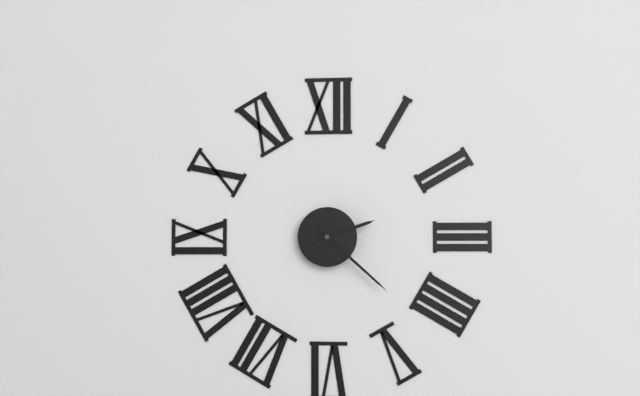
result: 2.22
